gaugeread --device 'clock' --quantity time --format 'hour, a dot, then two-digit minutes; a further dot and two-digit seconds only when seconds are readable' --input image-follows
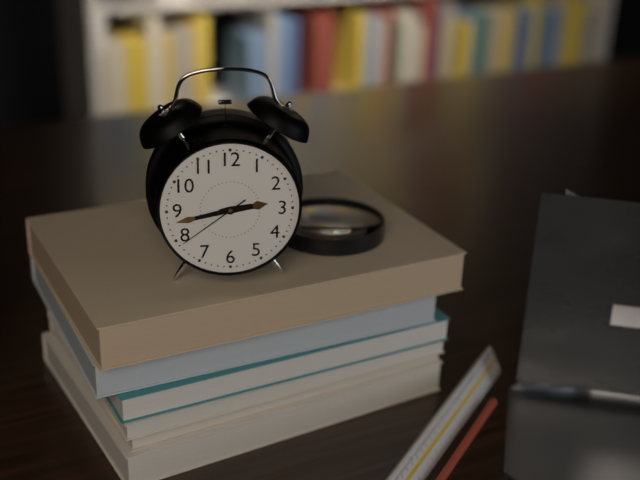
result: 2.43.39
